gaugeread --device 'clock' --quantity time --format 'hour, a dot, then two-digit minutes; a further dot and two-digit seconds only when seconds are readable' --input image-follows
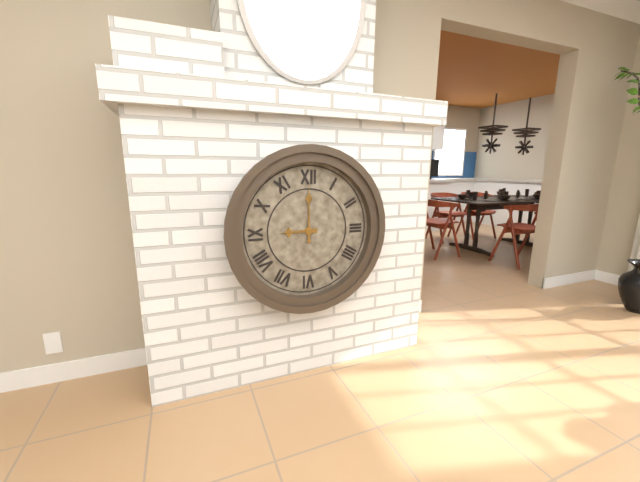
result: 9.00
